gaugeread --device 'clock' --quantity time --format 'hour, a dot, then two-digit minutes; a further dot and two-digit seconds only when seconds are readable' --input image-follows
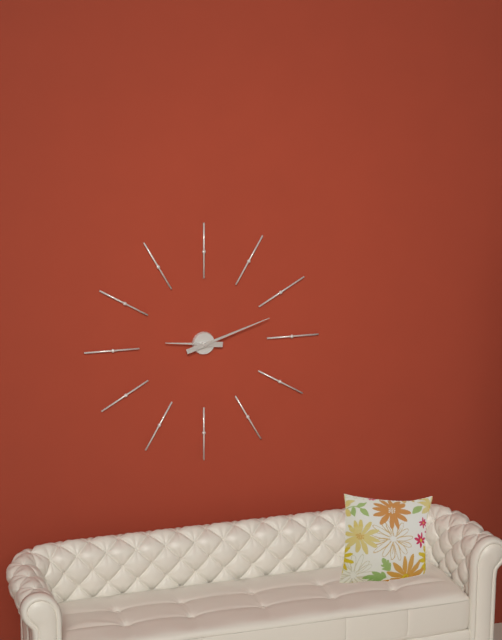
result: 9.12
